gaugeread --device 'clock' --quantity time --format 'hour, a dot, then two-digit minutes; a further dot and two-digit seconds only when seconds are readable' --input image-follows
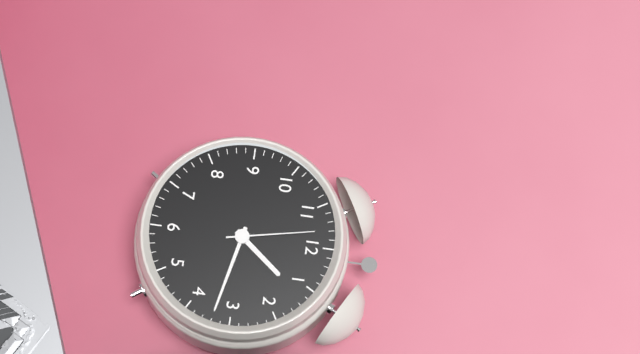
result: 1.17.58
